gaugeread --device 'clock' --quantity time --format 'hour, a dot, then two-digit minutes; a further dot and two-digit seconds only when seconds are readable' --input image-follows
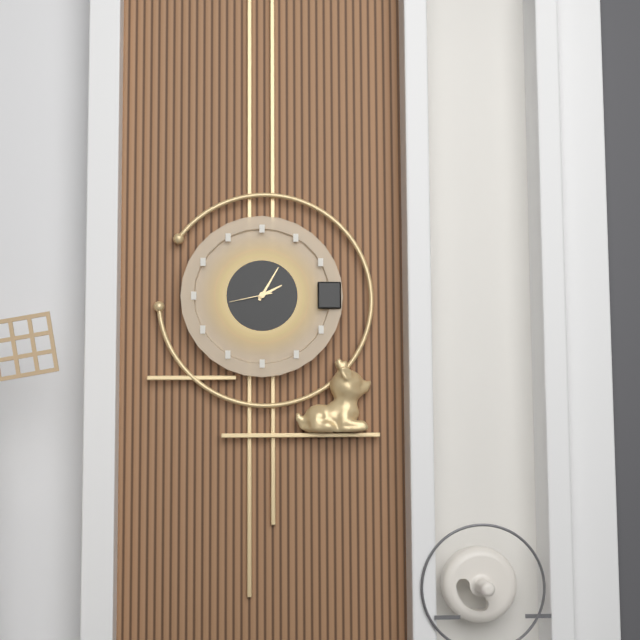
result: 2.05
